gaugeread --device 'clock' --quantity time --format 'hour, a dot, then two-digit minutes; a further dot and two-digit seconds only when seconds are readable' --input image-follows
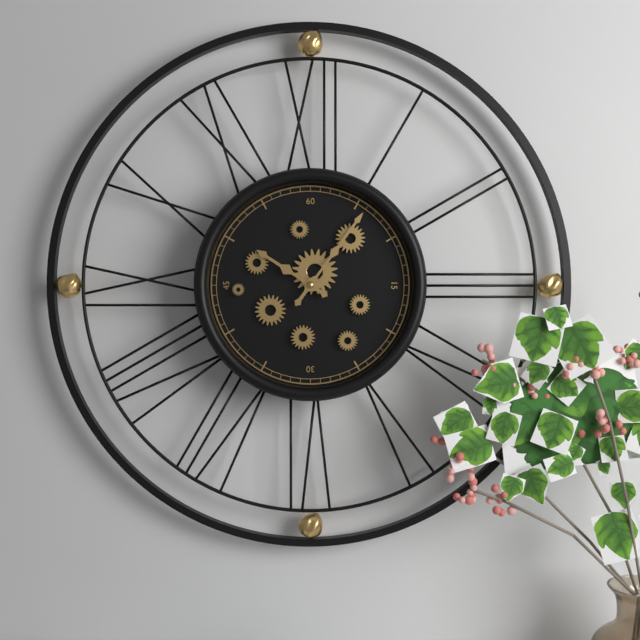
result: 10.06
